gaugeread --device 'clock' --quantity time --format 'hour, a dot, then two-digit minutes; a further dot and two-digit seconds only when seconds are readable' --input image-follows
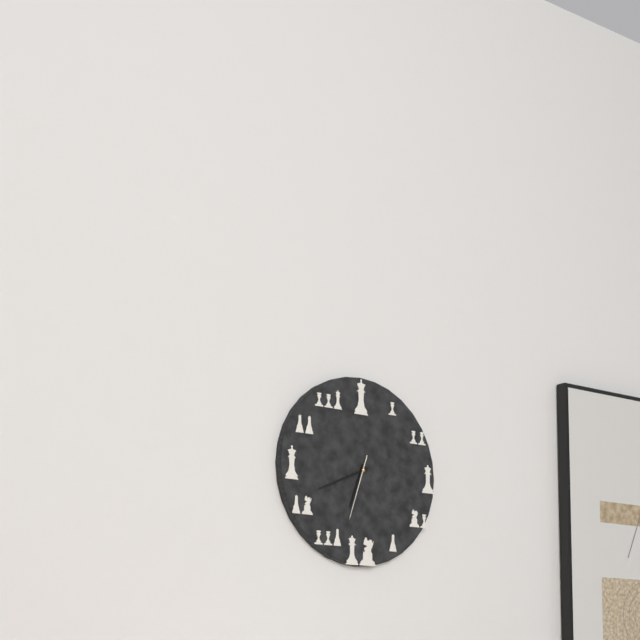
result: 6.41.33
